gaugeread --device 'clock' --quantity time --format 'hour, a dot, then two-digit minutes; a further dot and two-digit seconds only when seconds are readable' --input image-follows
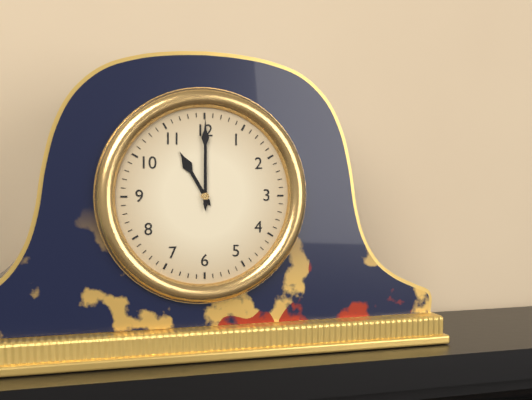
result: 11.00
